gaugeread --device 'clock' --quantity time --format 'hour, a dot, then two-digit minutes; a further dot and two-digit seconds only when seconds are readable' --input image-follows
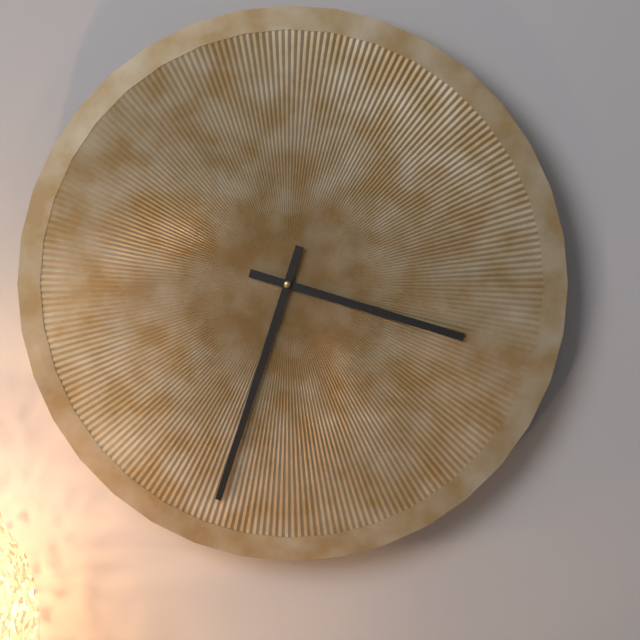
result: 3.33
